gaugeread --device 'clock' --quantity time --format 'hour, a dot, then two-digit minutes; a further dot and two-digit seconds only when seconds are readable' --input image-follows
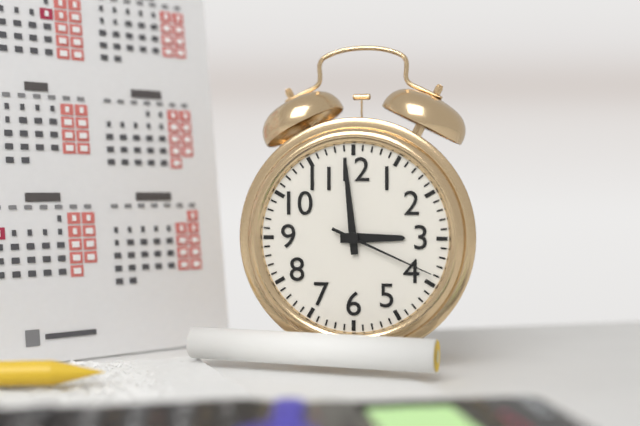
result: 2.59.19
